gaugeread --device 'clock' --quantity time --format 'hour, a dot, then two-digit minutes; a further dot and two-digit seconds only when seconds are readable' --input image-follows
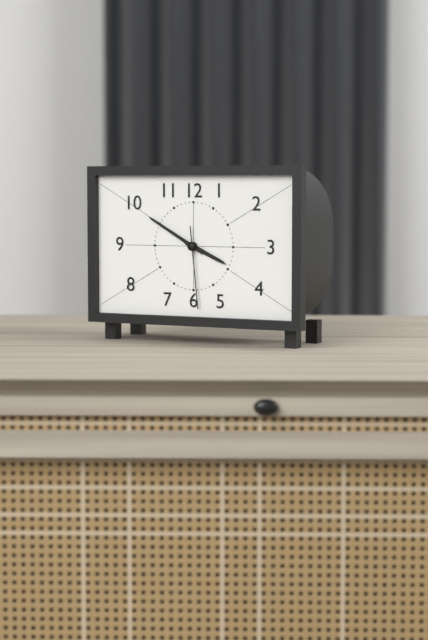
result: 3.50.29
